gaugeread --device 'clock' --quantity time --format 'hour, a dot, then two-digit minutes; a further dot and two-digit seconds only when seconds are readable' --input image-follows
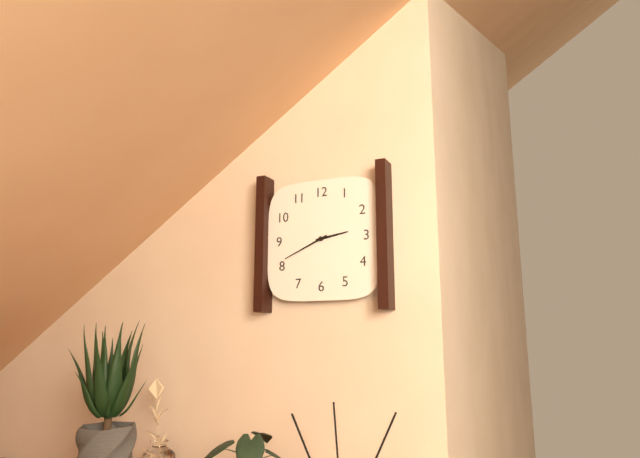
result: 2.41
